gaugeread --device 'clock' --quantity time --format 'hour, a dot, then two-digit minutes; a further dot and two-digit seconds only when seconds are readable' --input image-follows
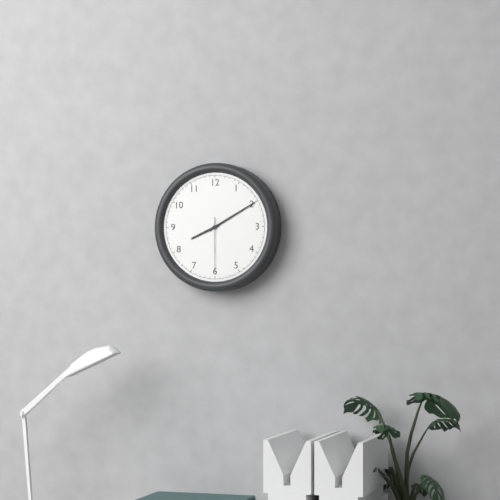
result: 8.10.30
